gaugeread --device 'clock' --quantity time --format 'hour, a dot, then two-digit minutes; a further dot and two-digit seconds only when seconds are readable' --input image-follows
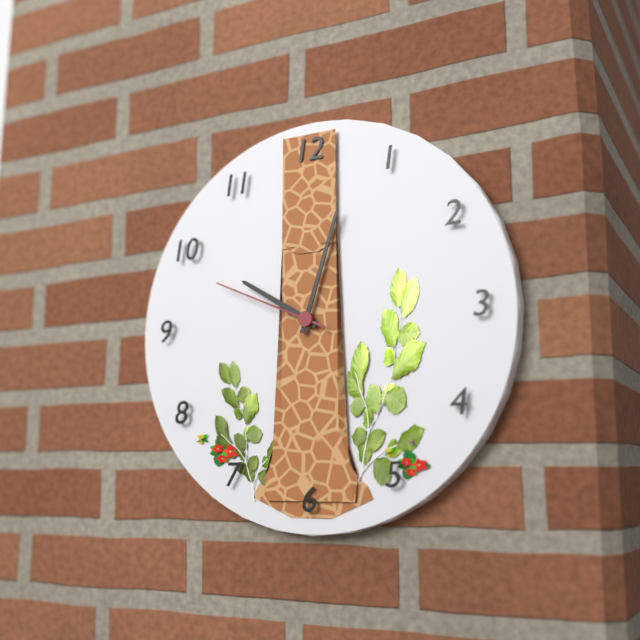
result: 10.03.49
